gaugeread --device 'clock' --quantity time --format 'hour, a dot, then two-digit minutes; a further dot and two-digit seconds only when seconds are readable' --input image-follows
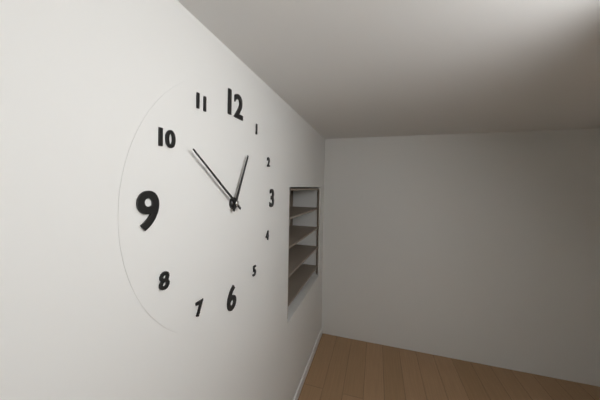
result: 12.51
